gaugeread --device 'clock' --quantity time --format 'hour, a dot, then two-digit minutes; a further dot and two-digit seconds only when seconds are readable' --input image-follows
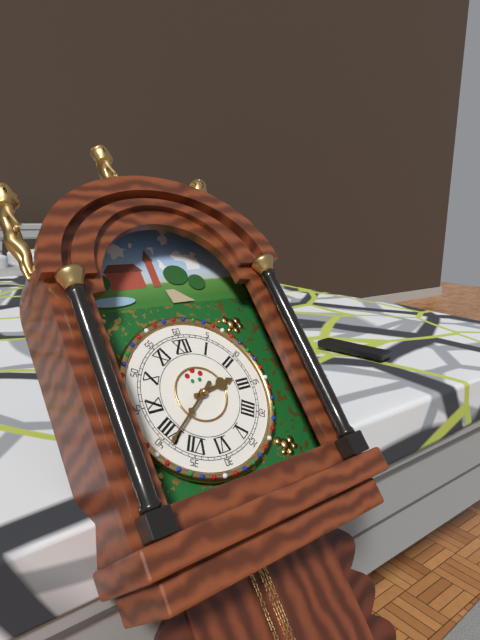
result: 2.39
